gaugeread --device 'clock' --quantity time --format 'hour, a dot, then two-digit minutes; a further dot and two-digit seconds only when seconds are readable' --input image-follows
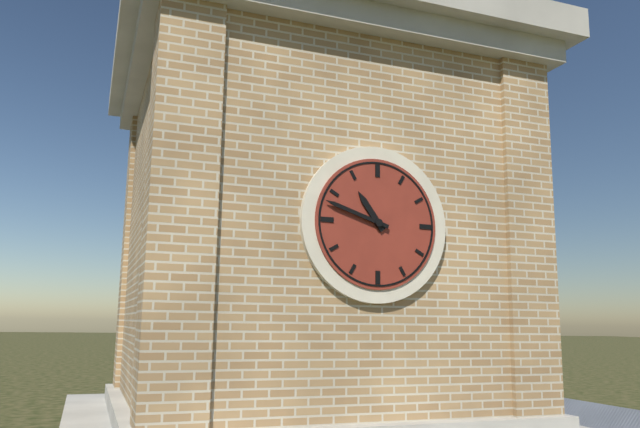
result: 10.48
